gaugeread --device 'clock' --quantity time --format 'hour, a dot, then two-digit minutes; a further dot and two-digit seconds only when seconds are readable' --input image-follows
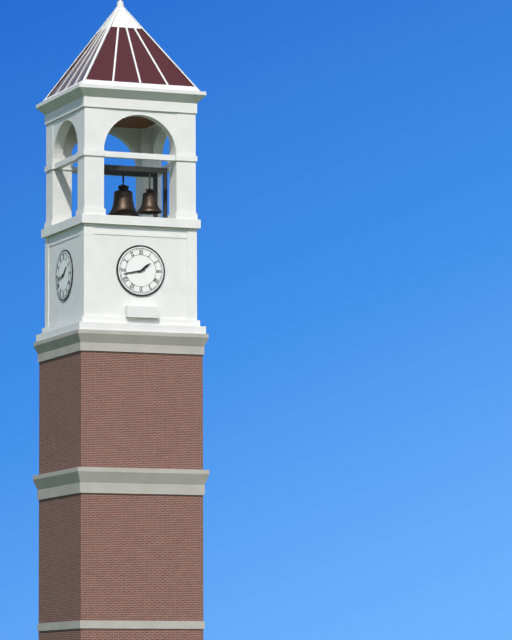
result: 1.43
